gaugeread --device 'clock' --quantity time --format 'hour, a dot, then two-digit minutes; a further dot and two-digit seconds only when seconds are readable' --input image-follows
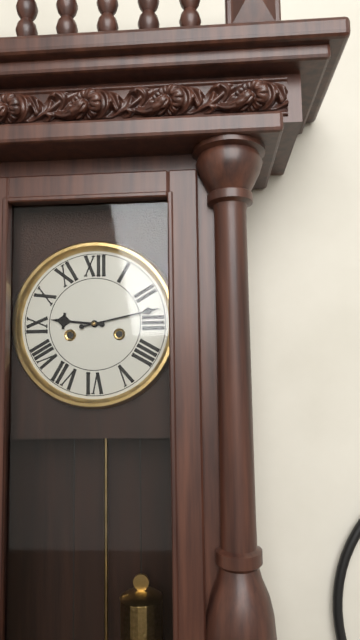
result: 9.13
